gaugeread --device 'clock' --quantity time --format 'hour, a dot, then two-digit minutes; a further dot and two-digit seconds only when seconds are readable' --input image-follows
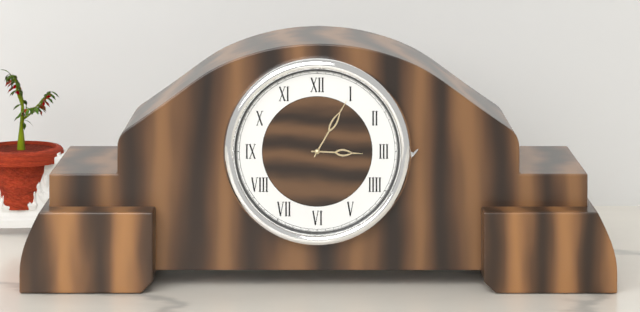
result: 3.05
